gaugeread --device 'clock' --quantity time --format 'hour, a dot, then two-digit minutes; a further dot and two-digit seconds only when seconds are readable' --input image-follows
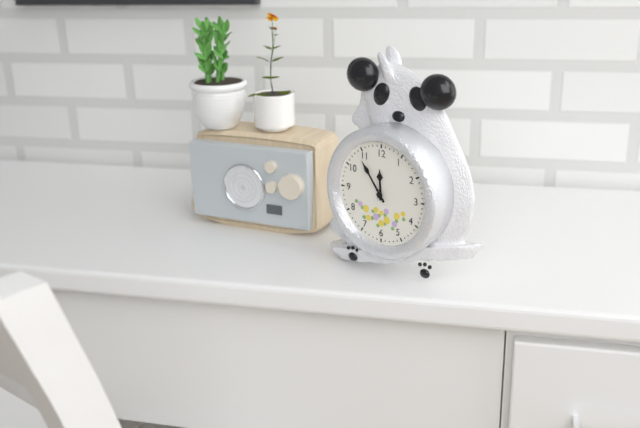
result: 11.54
